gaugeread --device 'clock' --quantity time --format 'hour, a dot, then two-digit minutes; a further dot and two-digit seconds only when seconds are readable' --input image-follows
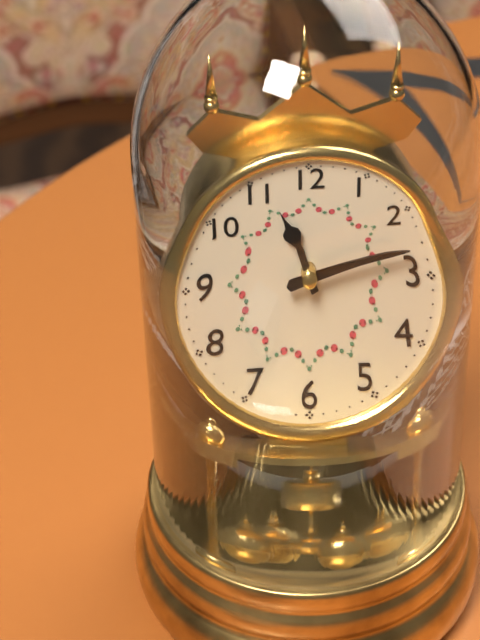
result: 11.13
